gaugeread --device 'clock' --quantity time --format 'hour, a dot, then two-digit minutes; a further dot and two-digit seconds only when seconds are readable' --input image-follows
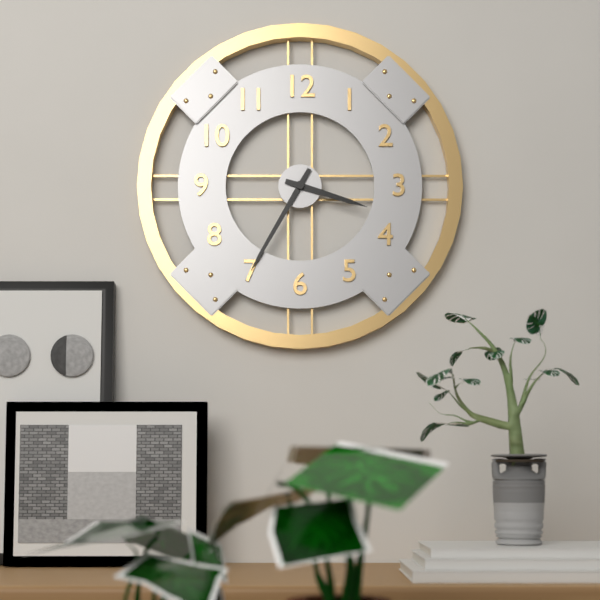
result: 3.35
